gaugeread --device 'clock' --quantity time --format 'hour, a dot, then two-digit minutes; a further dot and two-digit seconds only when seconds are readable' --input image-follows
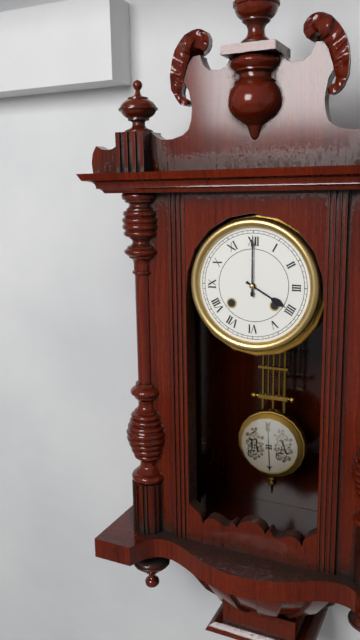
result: 4.00
